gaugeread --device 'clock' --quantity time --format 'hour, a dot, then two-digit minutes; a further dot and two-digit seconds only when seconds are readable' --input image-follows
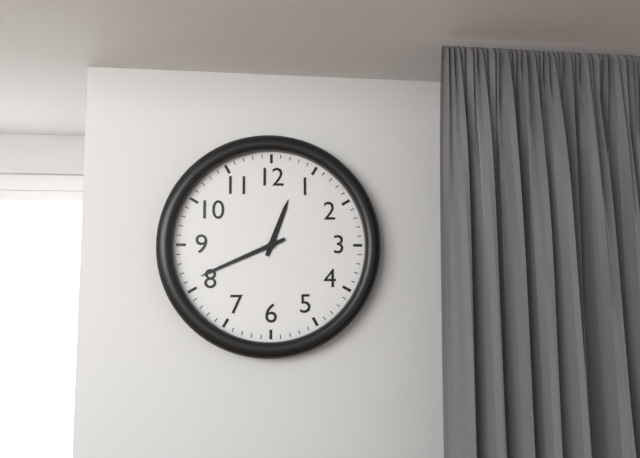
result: 12.41
